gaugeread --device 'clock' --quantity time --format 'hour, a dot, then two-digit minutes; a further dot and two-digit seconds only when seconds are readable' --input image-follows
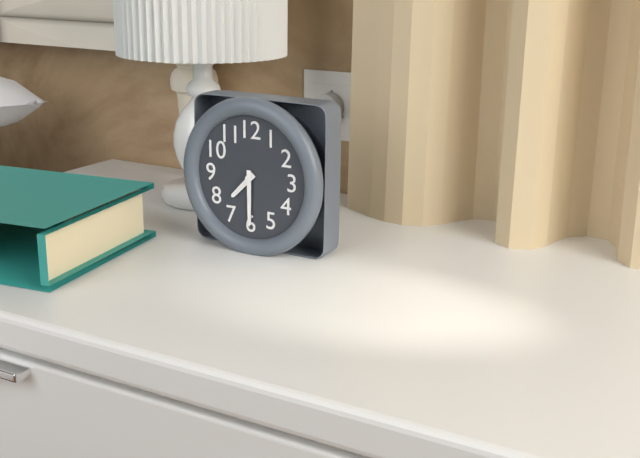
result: 7.30
